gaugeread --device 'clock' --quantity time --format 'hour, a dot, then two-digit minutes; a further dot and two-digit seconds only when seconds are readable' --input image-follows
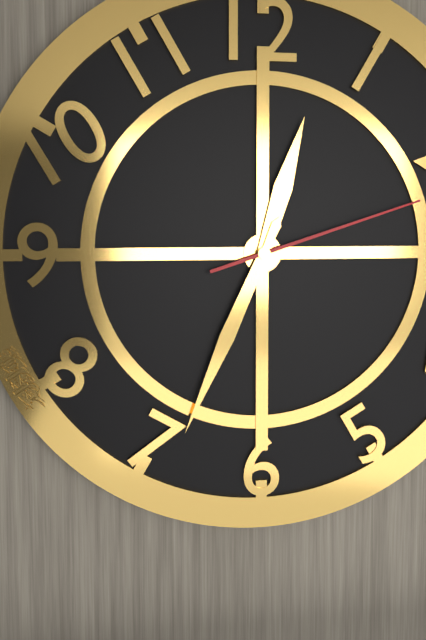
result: 12.34.12
